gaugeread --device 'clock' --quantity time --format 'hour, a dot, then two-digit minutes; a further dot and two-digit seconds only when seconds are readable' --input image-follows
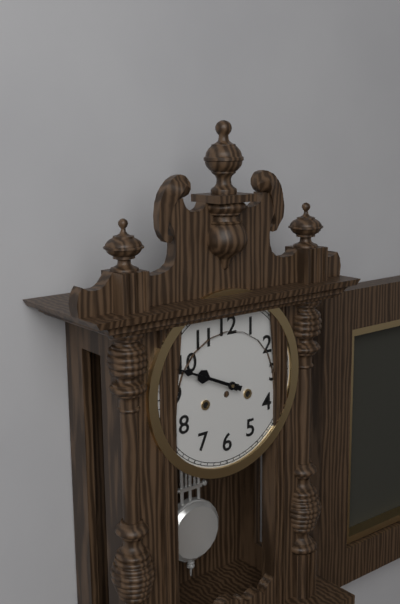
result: 9.49
